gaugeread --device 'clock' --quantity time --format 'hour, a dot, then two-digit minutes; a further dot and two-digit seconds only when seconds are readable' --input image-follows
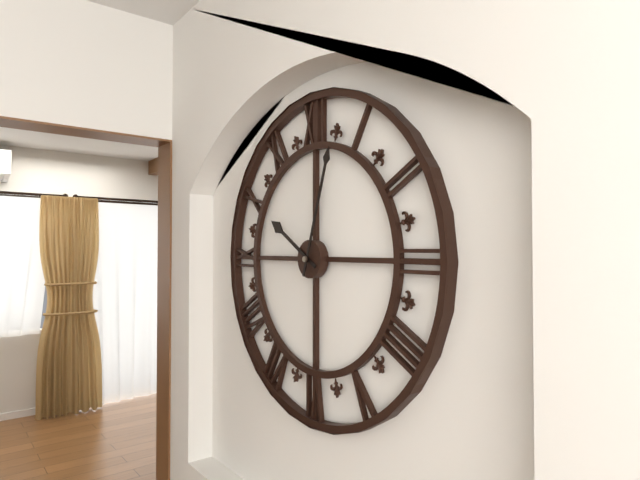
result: 10.03
